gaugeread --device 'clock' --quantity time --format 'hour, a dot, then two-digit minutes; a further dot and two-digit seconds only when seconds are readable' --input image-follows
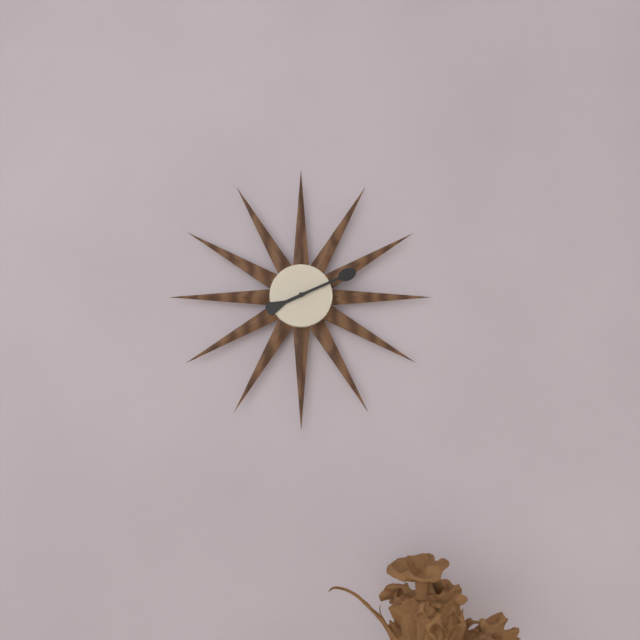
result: 8.11
